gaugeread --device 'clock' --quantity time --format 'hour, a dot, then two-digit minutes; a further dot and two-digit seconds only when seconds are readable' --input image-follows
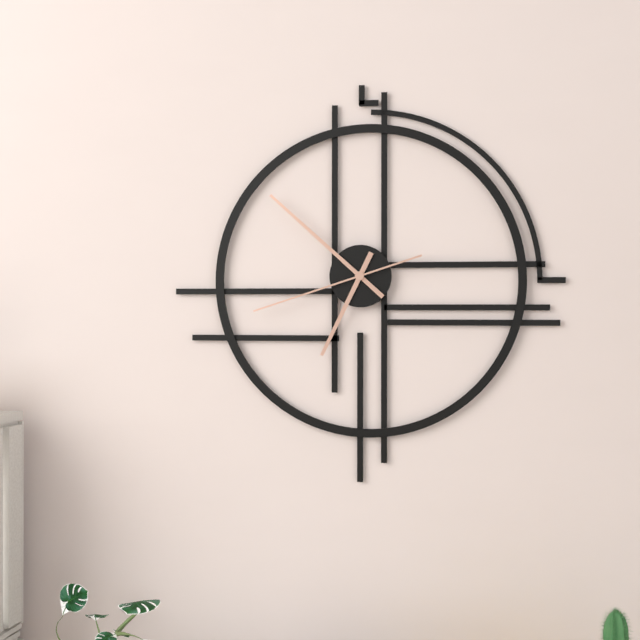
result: 6.52.42
